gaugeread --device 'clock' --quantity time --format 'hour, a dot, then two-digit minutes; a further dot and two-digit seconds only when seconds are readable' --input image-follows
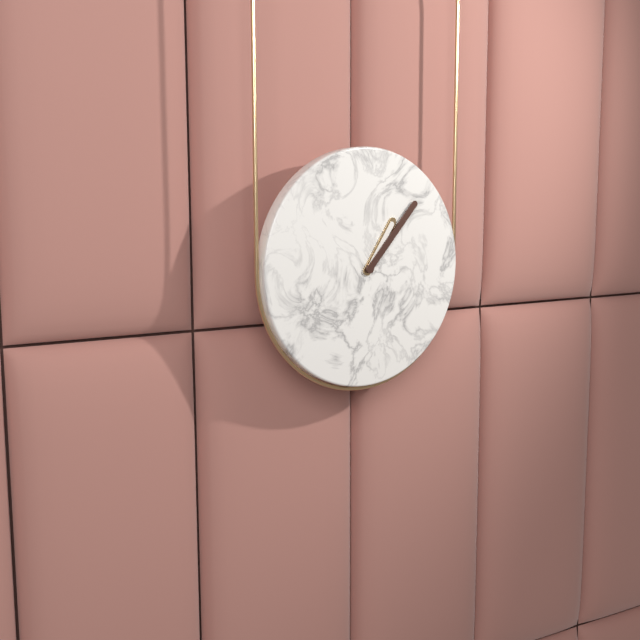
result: 1.07
